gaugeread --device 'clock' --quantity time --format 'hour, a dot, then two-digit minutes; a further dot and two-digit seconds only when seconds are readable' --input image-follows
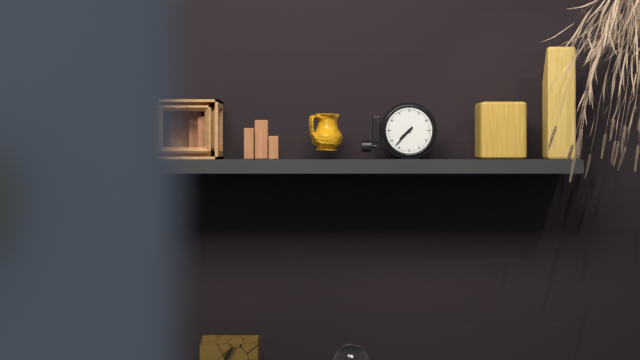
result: 7.37
